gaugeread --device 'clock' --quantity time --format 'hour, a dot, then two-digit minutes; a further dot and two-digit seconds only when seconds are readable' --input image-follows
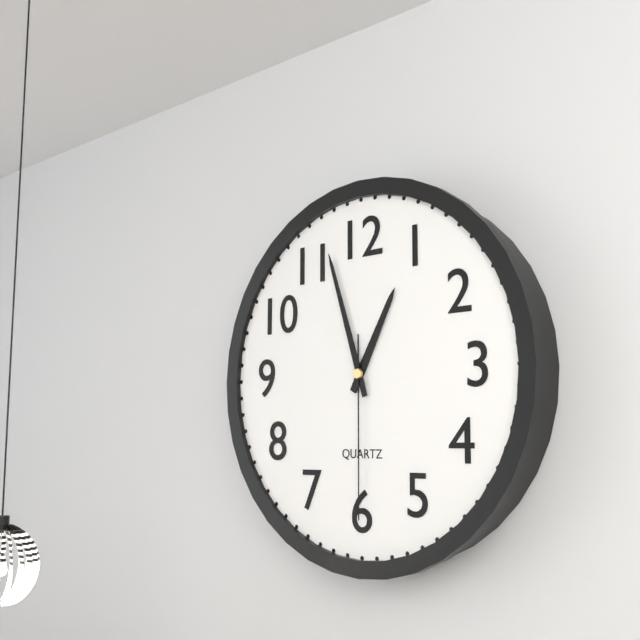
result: 12.57.30
